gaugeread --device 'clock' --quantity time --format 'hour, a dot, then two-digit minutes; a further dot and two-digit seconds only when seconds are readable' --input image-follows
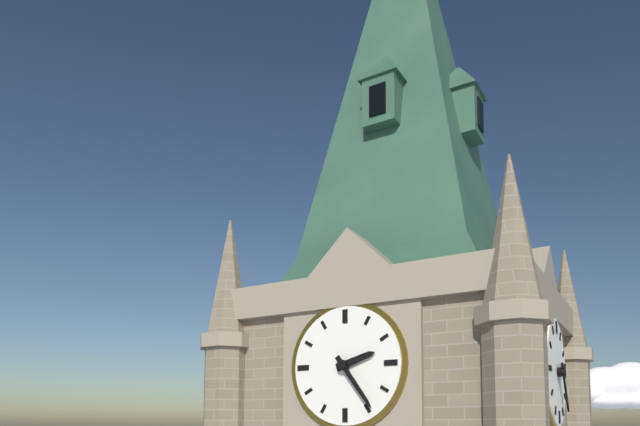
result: 2.24
